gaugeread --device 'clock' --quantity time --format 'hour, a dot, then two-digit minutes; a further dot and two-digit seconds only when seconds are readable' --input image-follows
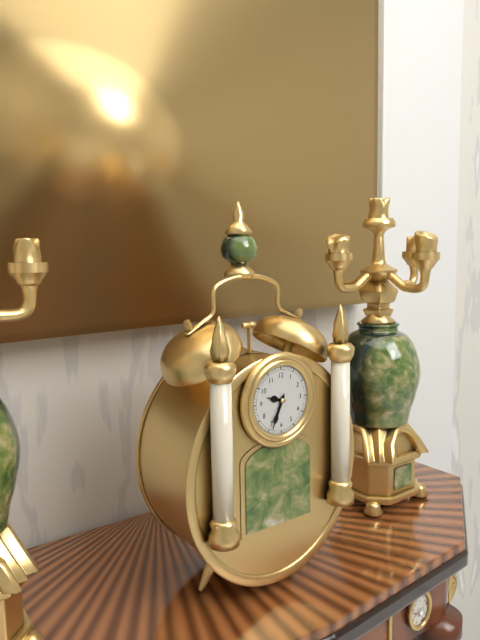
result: 9.34
